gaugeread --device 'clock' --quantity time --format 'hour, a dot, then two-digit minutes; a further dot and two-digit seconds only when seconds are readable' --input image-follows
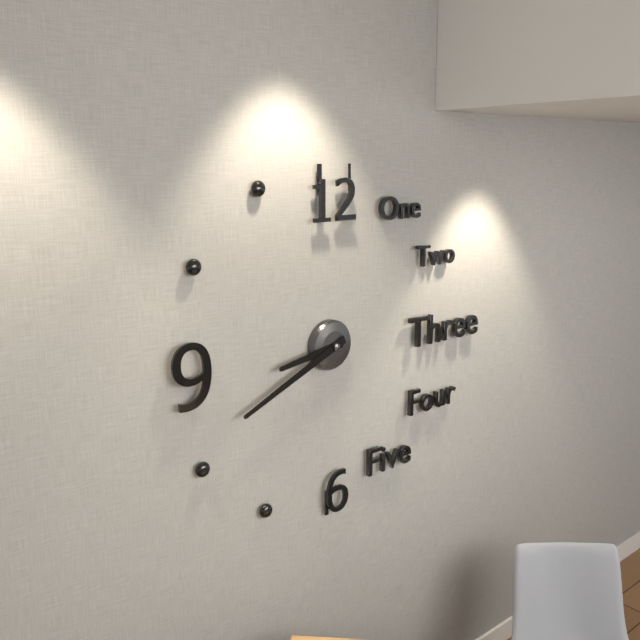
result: 8.41
